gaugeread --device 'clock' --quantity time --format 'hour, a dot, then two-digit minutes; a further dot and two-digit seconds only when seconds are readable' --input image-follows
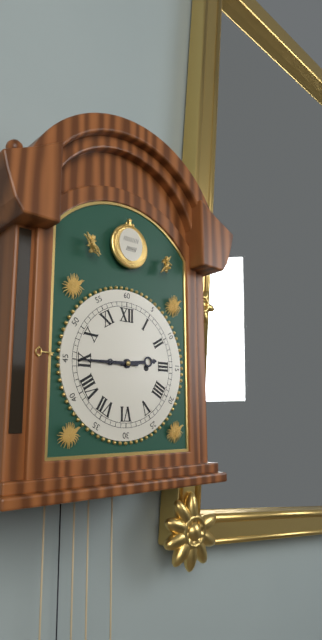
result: 2.45
